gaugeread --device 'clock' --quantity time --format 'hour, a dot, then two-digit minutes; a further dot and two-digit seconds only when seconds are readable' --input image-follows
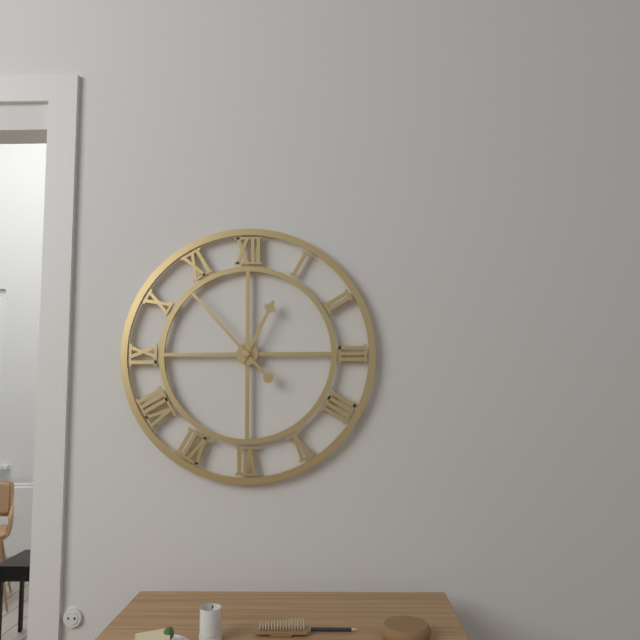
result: 12.53
